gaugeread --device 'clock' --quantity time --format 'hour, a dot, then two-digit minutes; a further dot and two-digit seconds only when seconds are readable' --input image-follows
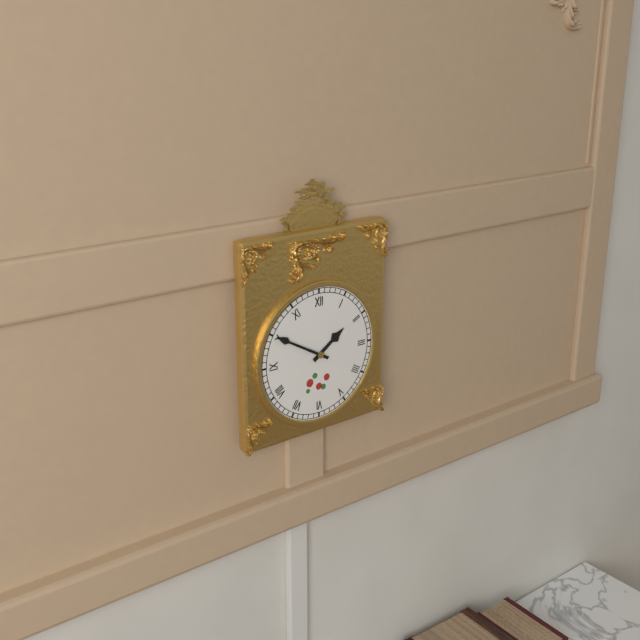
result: 1.50
